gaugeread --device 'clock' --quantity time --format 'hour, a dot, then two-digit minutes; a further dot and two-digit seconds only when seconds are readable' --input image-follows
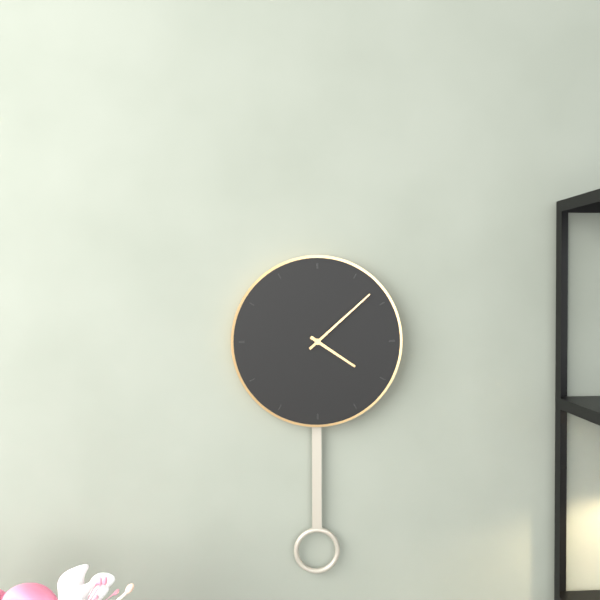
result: 4.08
